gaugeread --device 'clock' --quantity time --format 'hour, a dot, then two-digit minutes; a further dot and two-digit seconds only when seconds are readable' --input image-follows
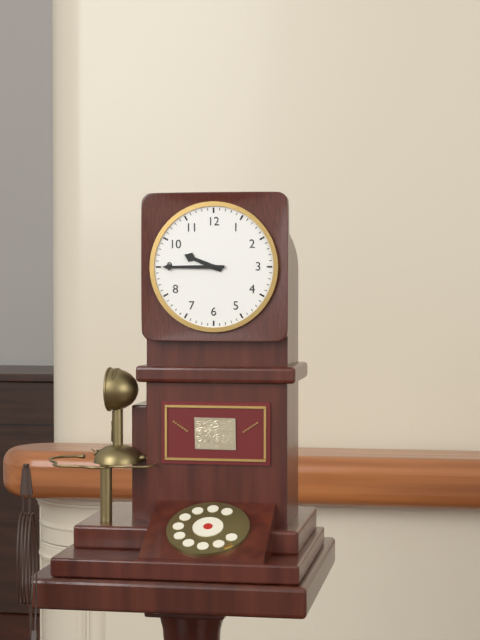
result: 9.45
